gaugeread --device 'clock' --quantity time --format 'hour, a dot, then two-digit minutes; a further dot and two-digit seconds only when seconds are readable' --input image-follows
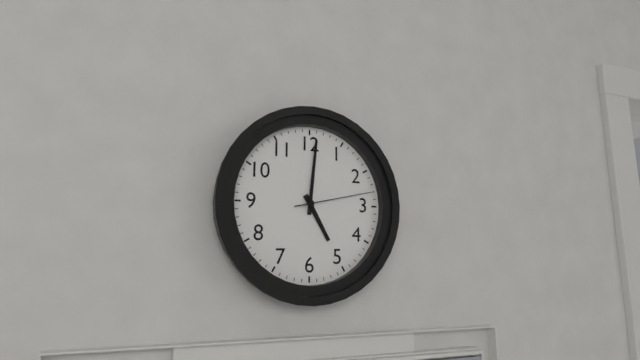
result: 5.01.13
